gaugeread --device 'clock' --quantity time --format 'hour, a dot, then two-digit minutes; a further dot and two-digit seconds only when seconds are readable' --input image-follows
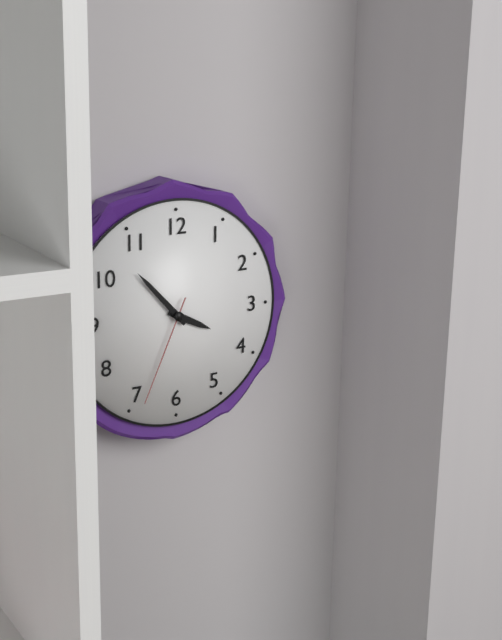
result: 3.53.34
